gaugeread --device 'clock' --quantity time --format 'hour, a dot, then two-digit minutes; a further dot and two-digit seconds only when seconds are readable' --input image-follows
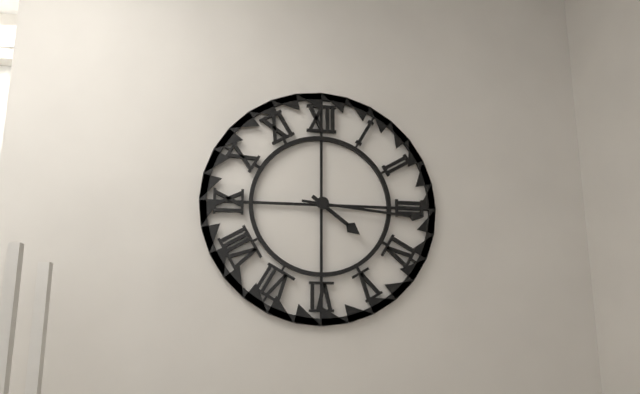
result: 4.16
